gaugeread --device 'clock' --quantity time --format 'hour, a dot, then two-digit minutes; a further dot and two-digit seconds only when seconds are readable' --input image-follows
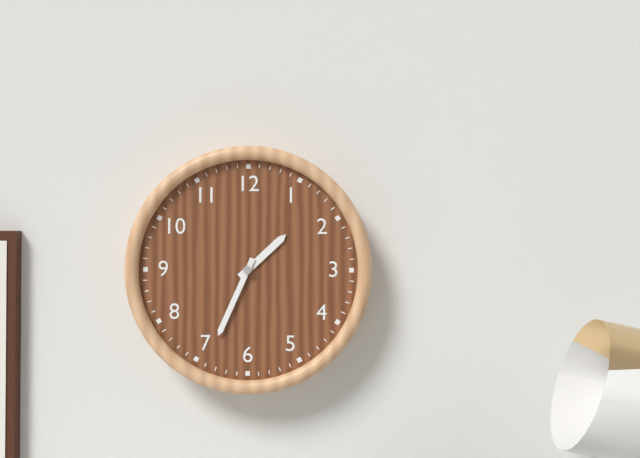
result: 1.34
